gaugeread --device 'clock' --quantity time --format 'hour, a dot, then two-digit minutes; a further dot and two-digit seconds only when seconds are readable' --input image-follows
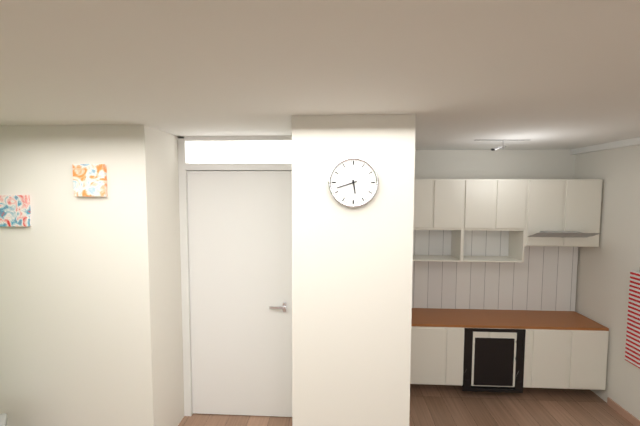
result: 5.42
